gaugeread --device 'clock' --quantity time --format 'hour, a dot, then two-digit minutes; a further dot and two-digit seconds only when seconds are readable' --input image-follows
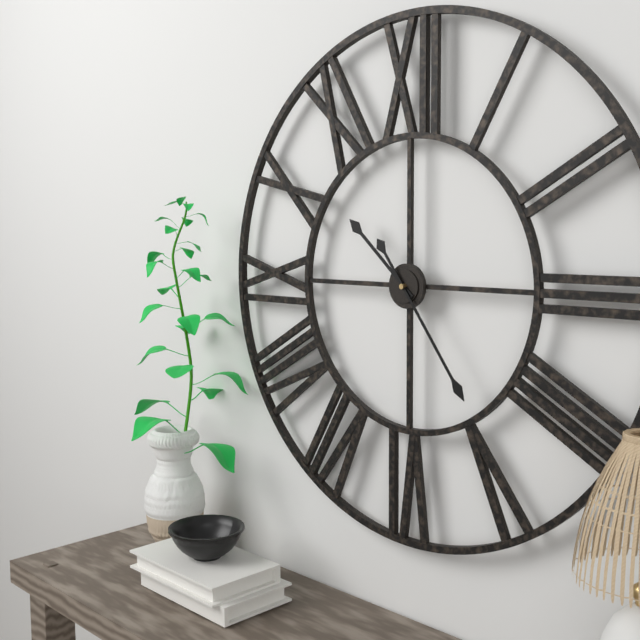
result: 10.24
